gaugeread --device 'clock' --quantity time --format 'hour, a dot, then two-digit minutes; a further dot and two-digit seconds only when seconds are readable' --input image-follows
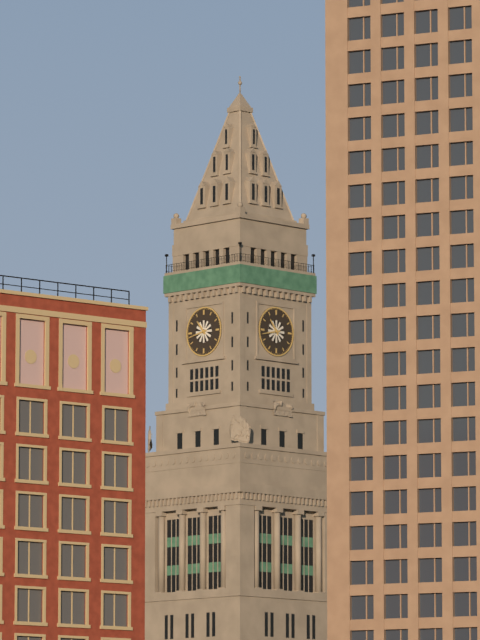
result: 10.43
